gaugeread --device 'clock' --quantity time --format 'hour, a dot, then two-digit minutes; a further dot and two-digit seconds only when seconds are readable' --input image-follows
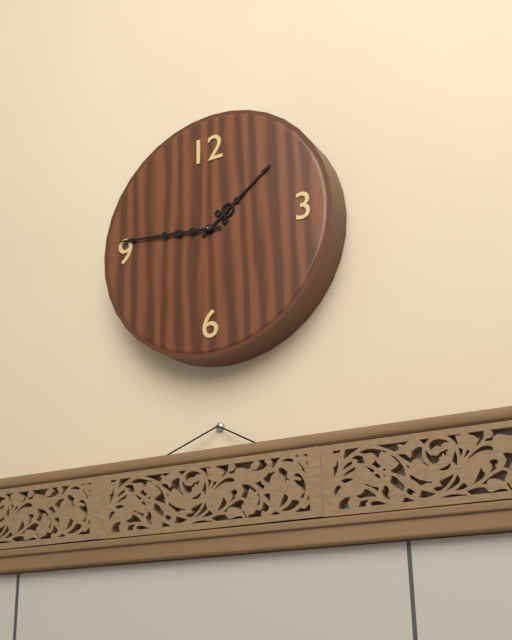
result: 1.46
